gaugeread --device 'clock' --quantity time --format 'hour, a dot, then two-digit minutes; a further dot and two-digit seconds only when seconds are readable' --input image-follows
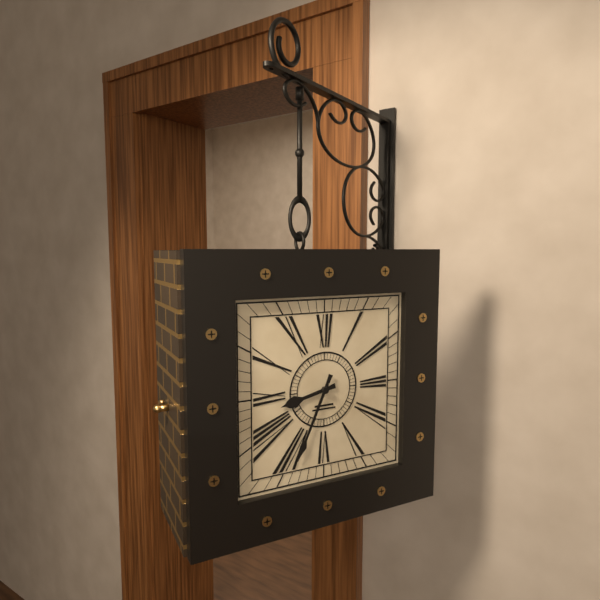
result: 8.34
